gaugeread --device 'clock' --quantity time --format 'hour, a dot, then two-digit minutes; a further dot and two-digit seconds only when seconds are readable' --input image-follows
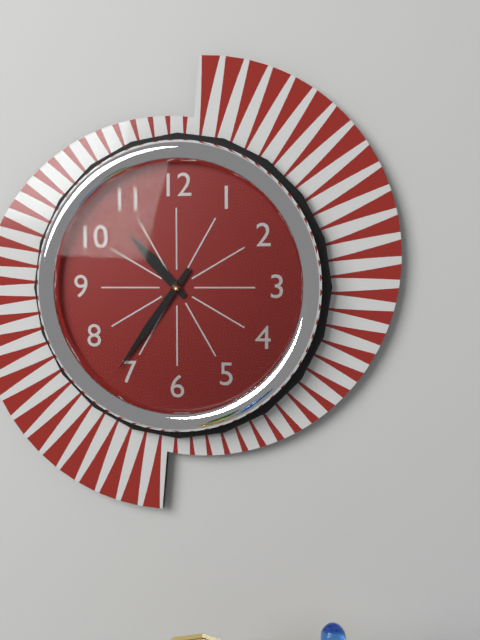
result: 10.36
